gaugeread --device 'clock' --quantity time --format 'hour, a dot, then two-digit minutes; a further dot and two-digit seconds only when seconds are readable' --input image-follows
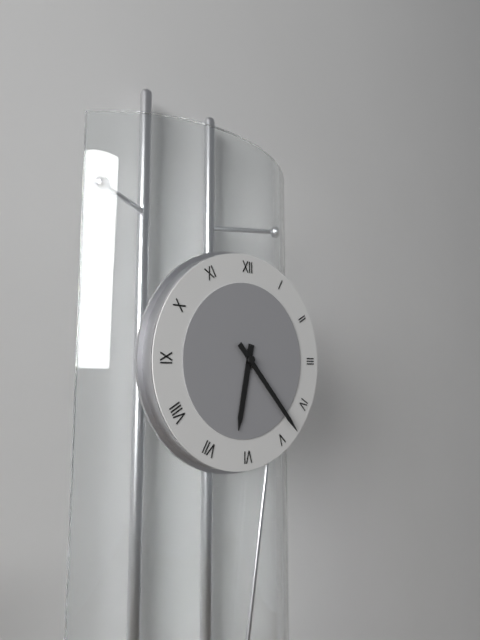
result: 6.23
